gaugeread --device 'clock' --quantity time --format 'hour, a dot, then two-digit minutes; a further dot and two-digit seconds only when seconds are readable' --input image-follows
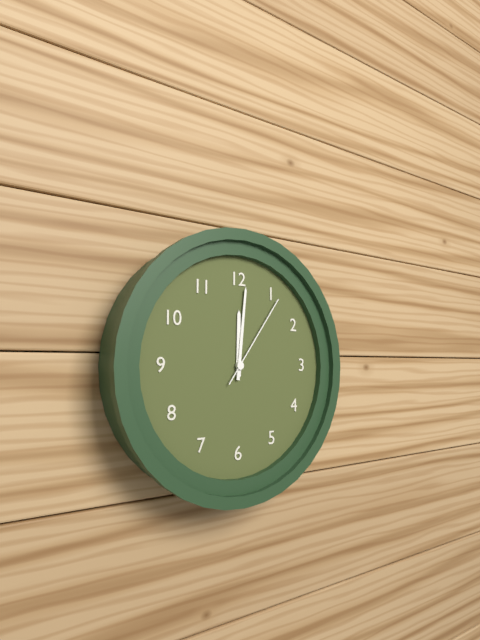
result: 12.01.06
